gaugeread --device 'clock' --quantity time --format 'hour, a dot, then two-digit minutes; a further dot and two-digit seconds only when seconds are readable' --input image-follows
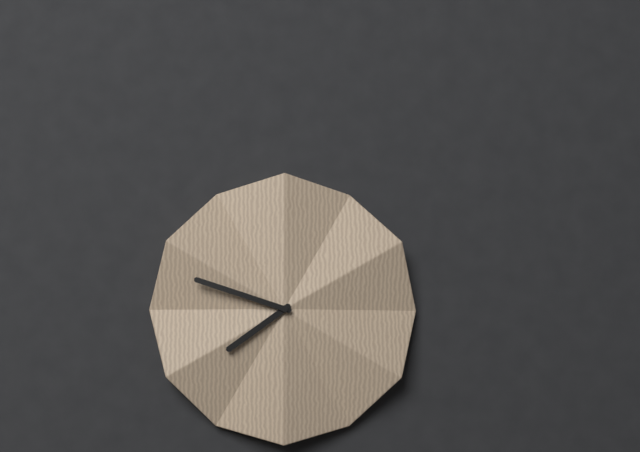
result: 7.48
